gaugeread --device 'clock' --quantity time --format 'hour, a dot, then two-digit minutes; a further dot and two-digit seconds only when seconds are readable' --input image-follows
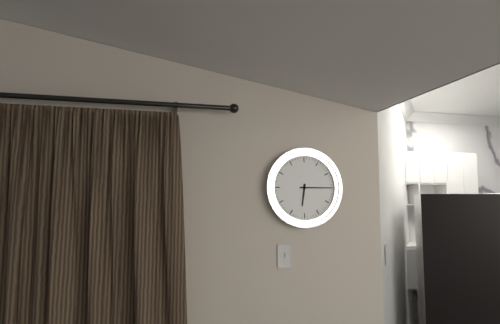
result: 6.15
